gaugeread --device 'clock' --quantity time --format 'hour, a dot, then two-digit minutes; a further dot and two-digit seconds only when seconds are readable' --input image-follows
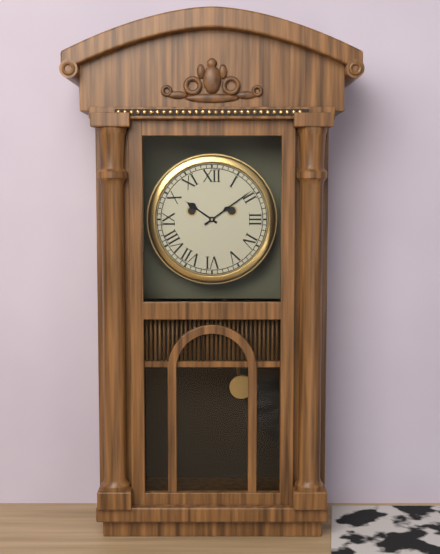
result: 10.09
